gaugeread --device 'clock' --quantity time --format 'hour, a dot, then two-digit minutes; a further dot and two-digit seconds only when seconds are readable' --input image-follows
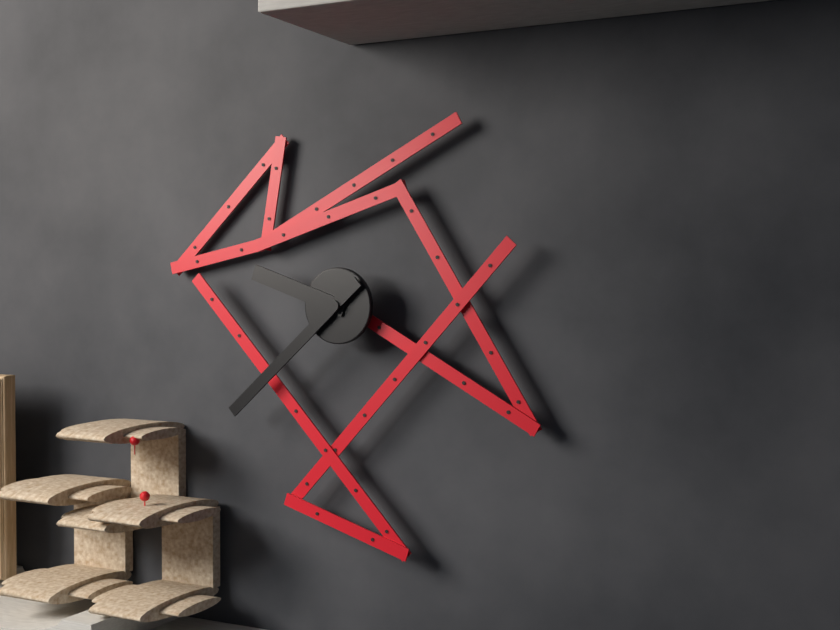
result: 9.38
